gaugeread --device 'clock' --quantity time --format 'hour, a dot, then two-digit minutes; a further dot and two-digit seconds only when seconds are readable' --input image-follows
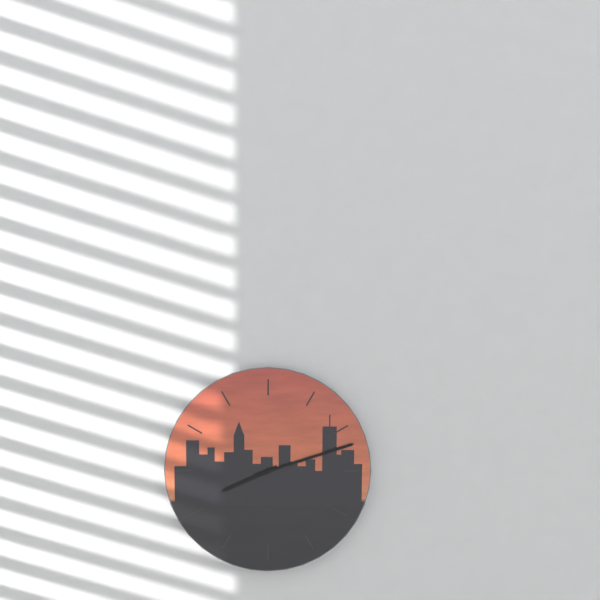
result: 8.12
